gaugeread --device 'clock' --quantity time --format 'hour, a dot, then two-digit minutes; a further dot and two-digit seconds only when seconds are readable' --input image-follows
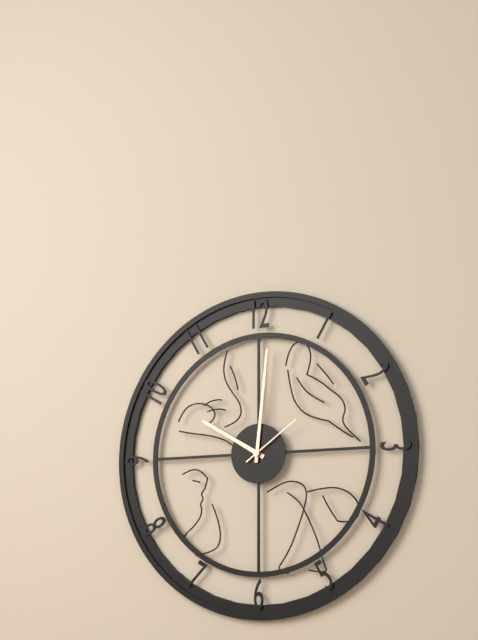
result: 10.01.09
